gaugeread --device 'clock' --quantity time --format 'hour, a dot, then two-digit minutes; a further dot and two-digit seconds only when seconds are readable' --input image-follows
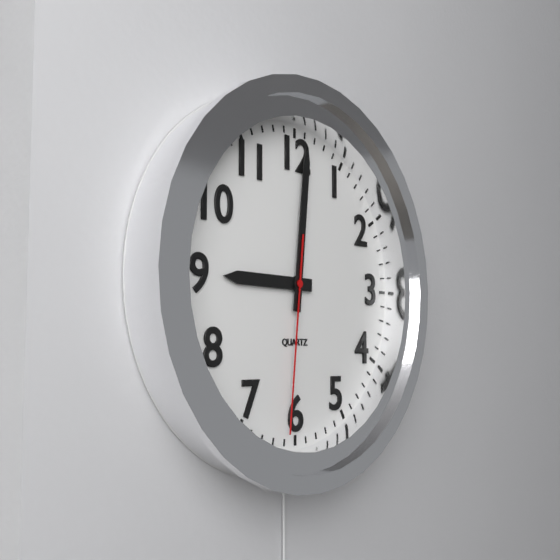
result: 9.01.31
